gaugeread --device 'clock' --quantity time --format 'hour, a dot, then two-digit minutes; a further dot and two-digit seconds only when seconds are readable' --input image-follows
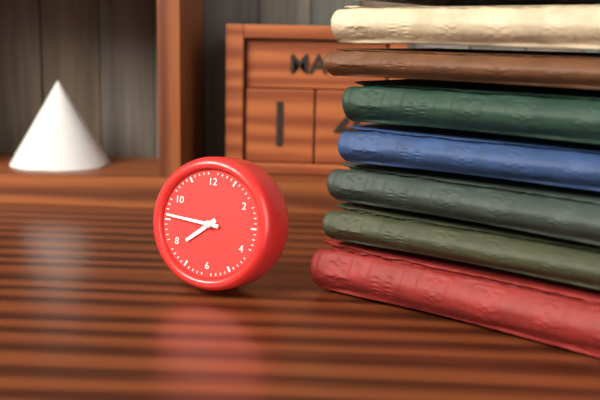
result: 7.46
